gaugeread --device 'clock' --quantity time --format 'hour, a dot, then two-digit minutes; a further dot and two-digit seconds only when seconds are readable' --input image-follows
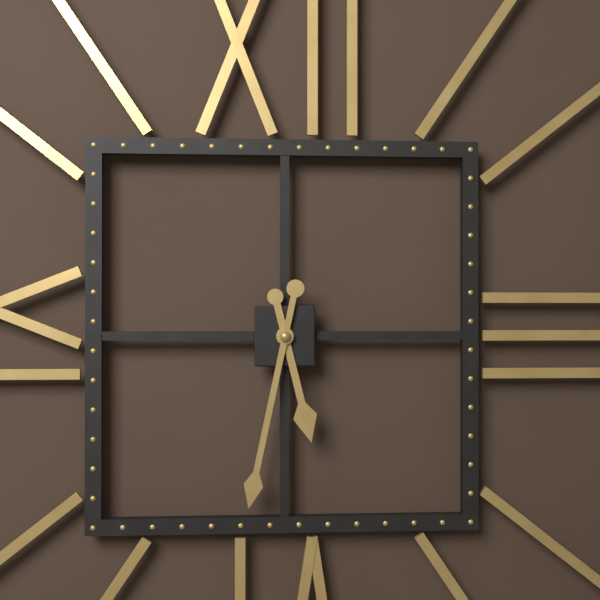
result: 5.32
